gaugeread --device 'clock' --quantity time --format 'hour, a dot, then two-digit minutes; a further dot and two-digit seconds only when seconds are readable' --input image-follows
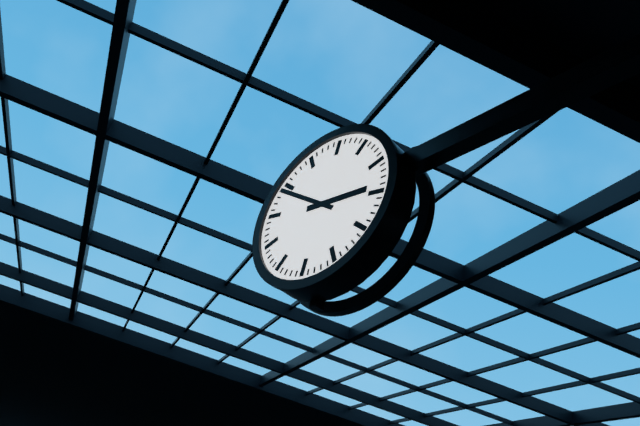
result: 2.49
